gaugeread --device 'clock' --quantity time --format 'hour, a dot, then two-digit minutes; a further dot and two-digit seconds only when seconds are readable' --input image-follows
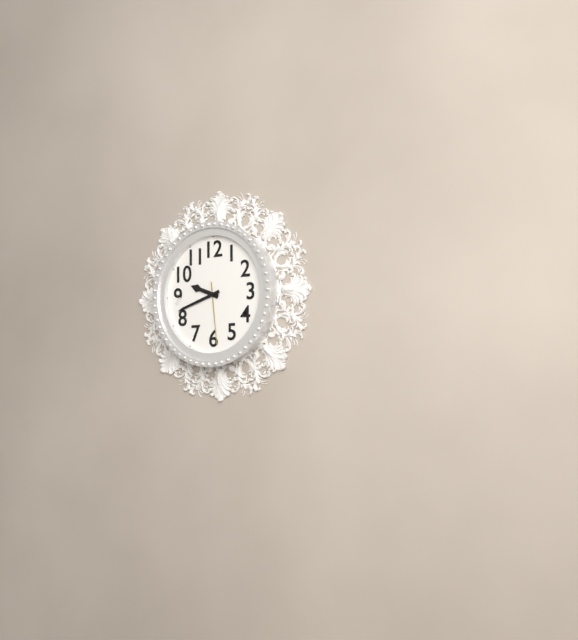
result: 9.42.29
